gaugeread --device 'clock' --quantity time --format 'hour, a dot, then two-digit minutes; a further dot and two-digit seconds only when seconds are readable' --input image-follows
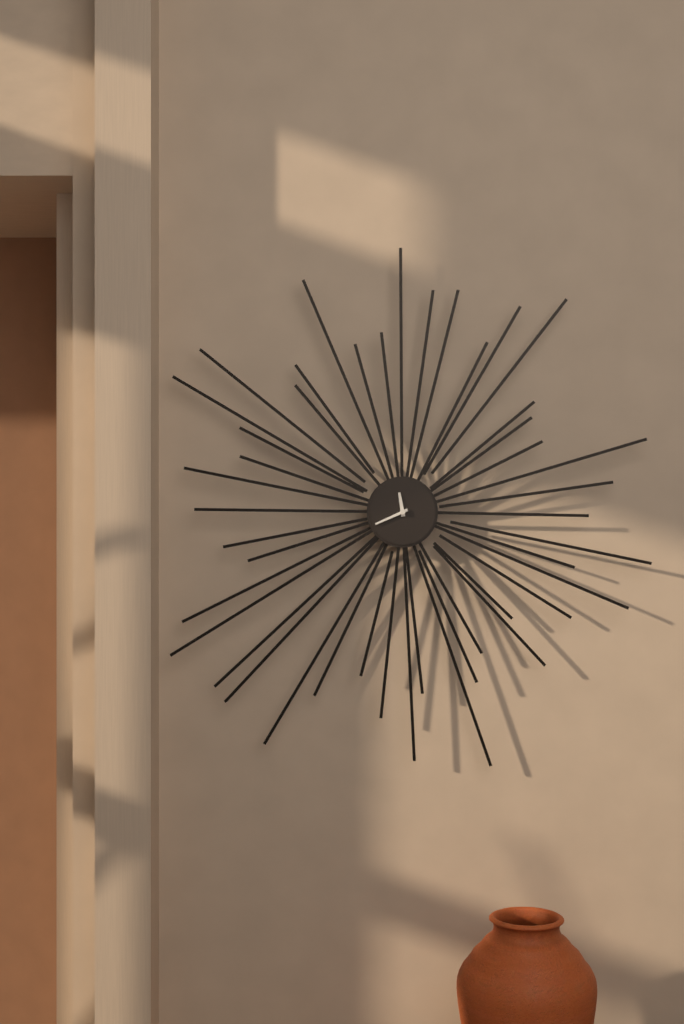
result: 11.41
